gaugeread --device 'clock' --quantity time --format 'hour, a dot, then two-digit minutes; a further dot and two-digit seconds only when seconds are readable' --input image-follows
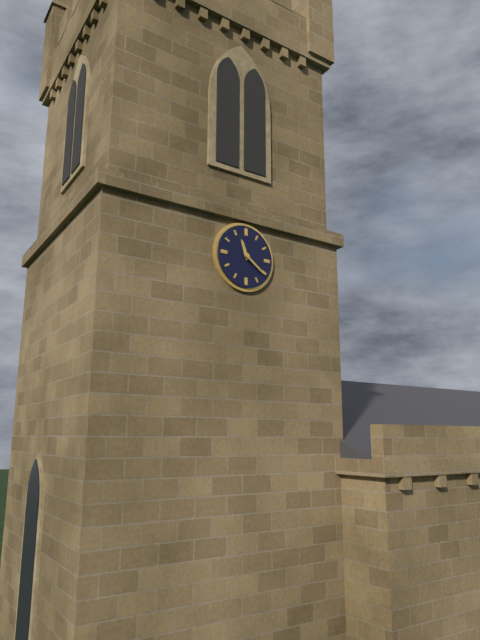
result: 11.21
